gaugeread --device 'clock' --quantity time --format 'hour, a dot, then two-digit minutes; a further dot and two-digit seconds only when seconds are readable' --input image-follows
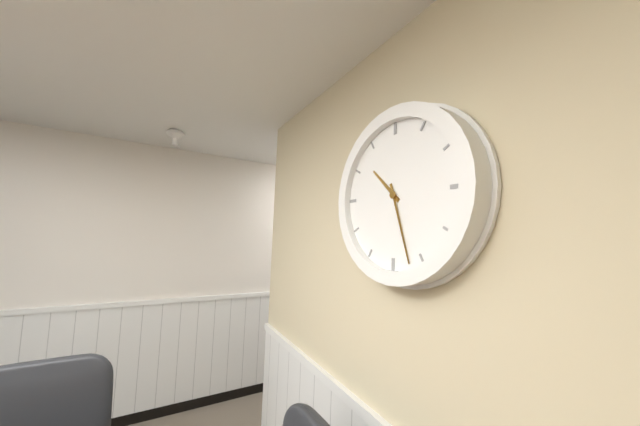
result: 10.27
